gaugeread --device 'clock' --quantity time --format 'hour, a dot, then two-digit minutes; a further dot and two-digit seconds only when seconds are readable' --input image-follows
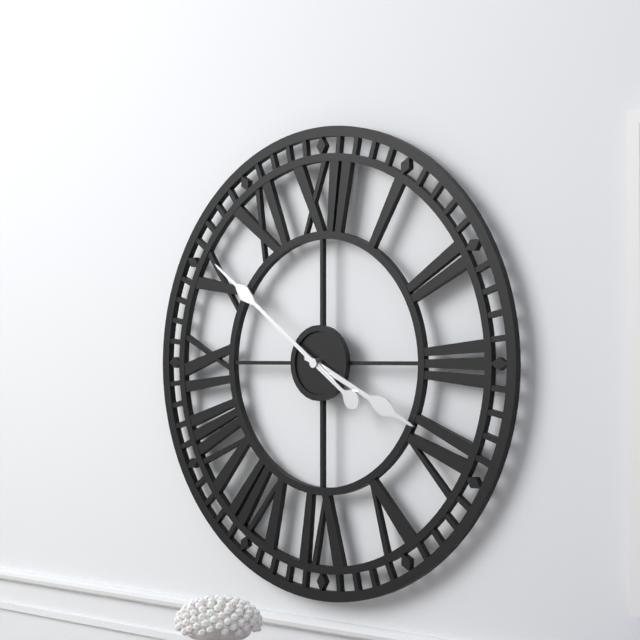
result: 3.51
